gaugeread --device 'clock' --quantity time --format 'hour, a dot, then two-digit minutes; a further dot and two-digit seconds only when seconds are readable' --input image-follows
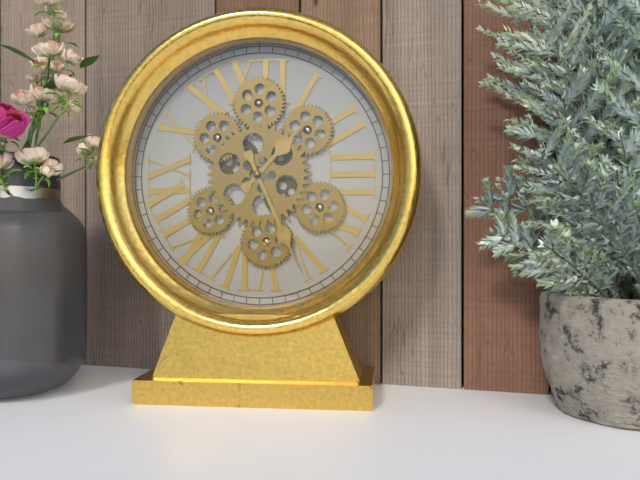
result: 1.26
